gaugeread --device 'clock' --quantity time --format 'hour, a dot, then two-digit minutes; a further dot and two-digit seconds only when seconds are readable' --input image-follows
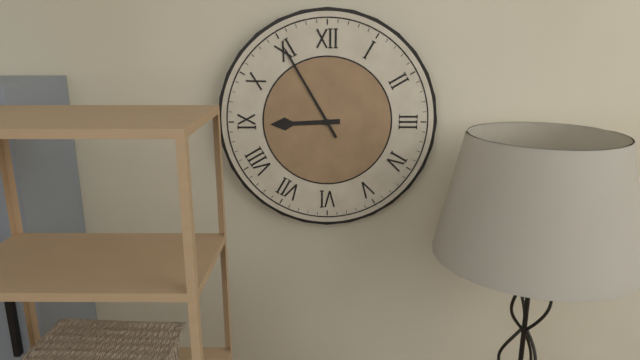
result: 8.55
